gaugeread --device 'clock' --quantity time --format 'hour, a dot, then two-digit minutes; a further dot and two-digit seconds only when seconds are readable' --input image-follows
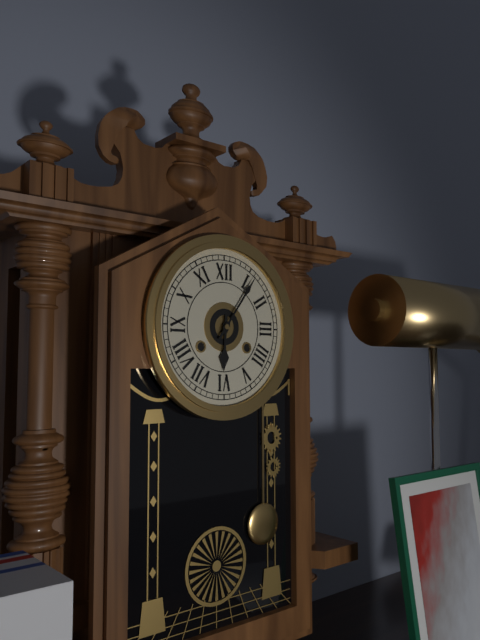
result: 6.06
